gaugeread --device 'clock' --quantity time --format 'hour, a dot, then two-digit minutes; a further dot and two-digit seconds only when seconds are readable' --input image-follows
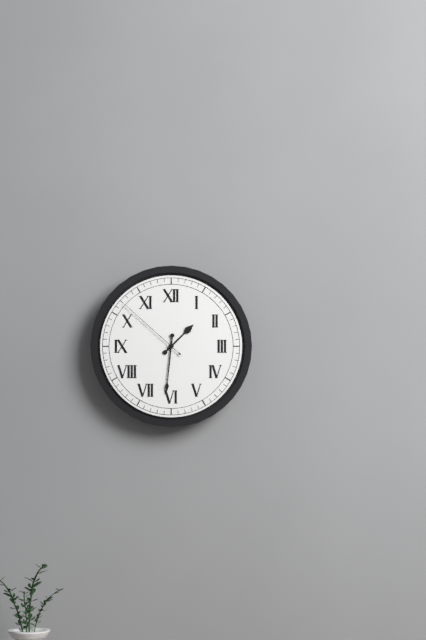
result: 1.31.52
